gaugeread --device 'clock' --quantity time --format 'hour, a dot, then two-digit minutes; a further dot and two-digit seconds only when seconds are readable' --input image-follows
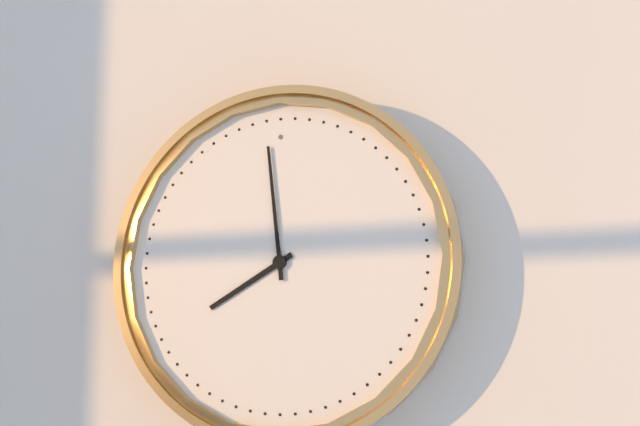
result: 7.59
